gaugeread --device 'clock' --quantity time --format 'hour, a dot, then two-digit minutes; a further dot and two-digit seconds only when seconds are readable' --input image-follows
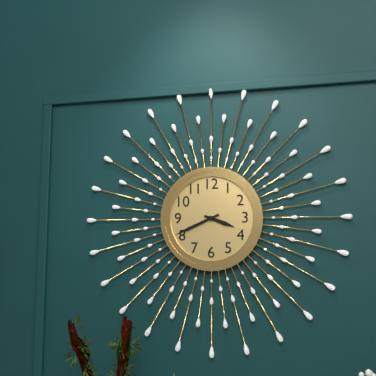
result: 3.41
